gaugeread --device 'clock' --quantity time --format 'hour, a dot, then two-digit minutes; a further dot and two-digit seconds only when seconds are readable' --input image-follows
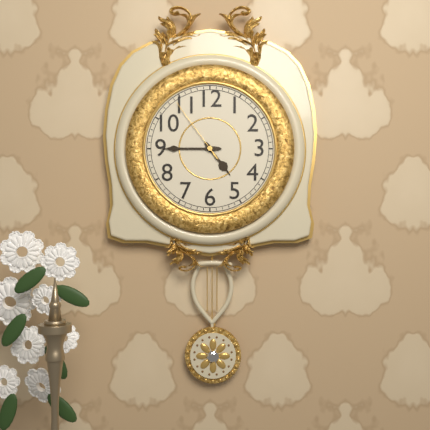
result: 4.45.54
